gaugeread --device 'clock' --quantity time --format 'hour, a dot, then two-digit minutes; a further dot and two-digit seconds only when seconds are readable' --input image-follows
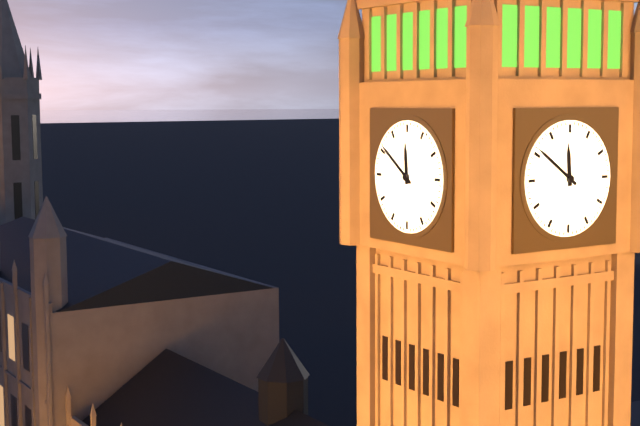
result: 11.51
